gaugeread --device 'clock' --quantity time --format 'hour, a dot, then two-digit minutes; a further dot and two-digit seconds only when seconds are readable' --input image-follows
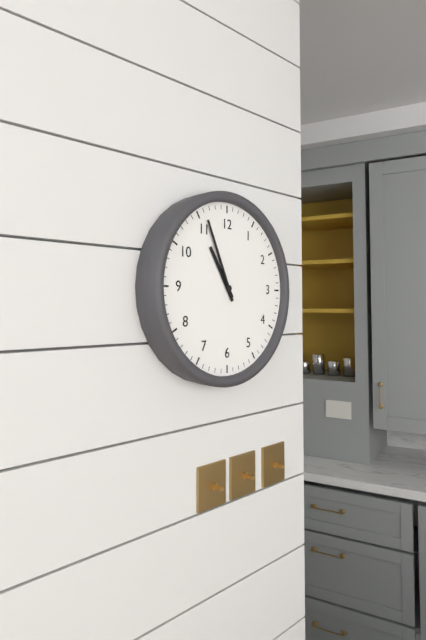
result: 10.56
